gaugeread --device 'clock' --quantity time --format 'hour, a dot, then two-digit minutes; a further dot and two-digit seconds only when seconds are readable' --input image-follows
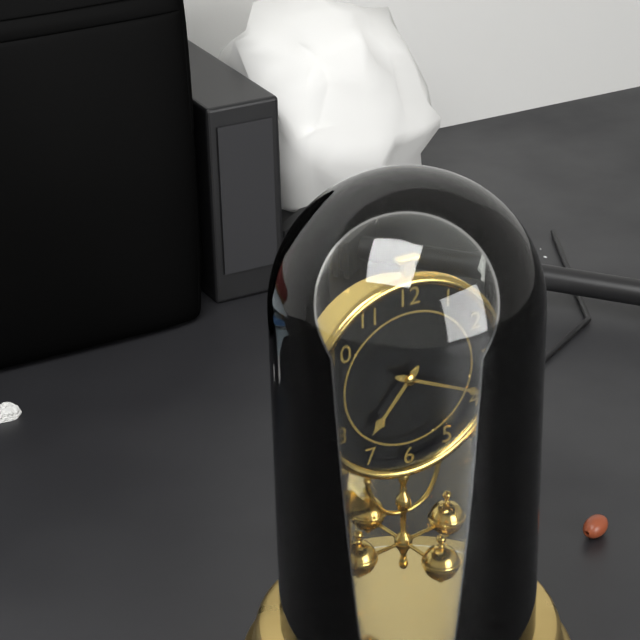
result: 7.19
